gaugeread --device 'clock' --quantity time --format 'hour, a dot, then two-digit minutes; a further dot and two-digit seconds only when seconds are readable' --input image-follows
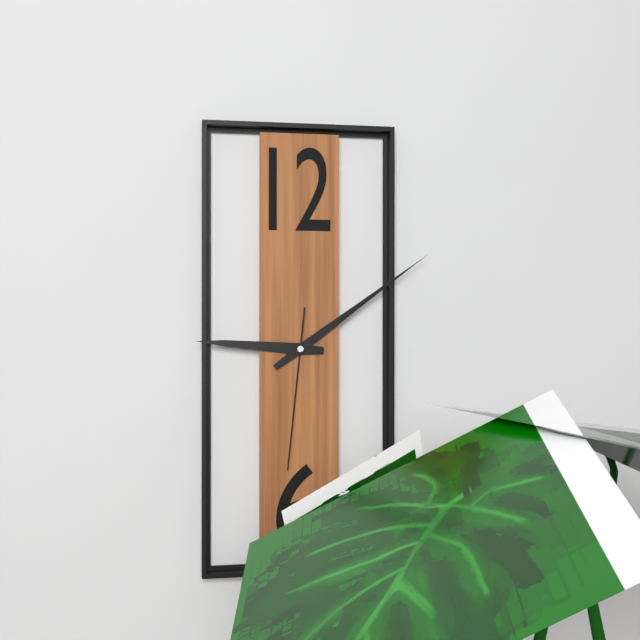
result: 9.09.31
